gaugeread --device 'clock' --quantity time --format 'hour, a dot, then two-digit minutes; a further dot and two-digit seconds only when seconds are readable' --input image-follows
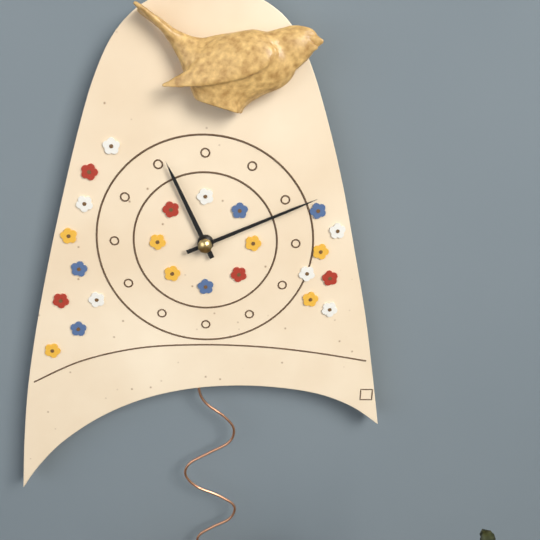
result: 11.11
